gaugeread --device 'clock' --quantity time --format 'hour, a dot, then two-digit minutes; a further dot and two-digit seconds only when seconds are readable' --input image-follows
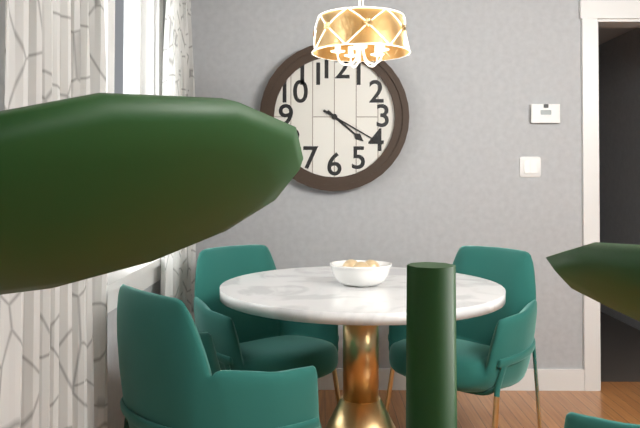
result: 4.20
